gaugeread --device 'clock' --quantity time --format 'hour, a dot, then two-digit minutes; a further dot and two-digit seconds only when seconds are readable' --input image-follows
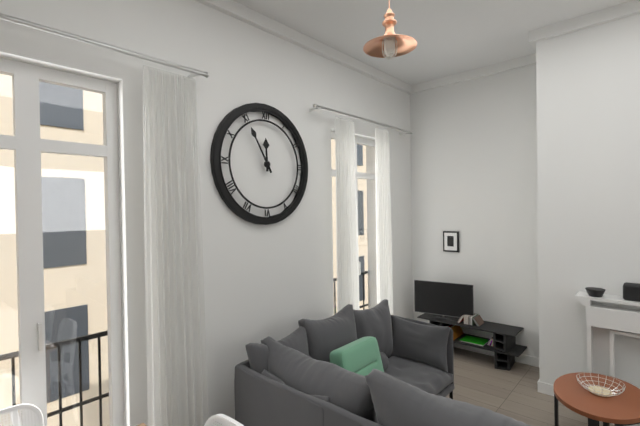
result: 11.55
